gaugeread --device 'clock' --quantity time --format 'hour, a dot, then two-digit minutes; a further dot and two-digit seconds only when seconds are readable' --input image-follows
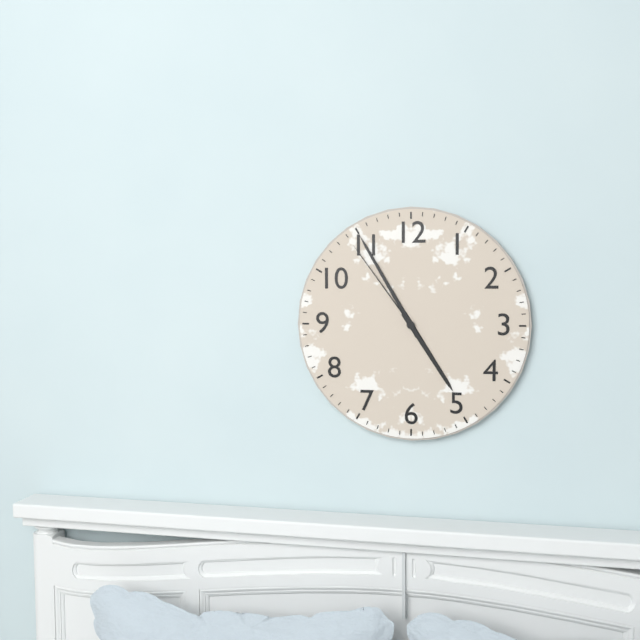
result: 4.55.54
